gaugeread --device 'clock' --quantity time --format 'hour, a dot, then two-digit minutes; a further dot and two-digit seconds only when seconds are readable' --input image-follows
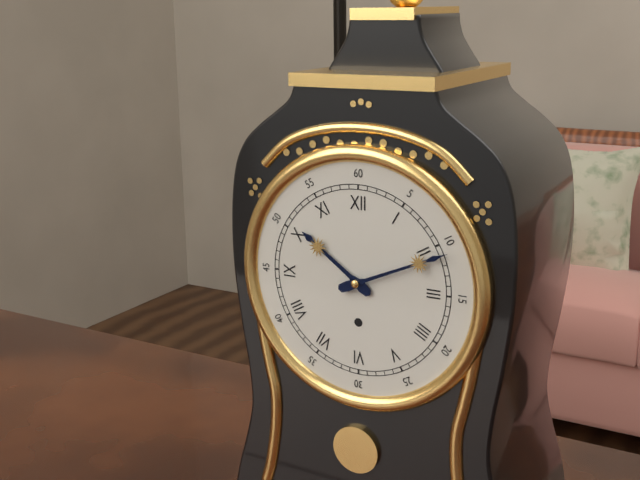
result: 10.11
